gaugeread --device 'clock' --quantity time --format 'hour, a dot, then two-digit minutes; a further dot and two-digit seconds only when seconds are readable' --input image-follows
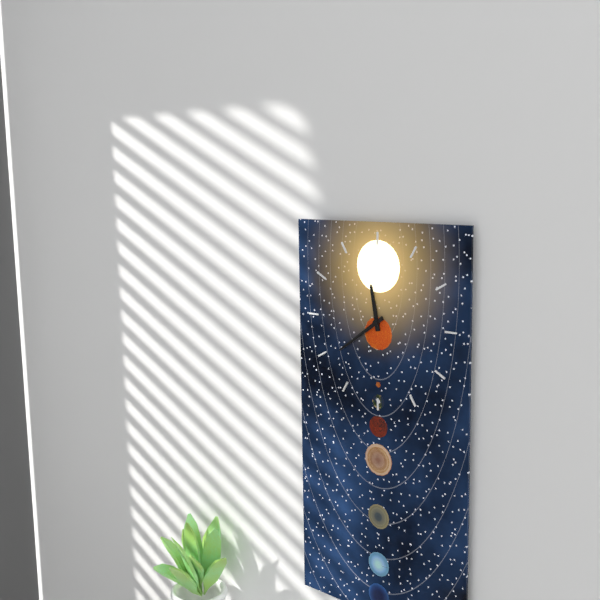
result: 11.39
